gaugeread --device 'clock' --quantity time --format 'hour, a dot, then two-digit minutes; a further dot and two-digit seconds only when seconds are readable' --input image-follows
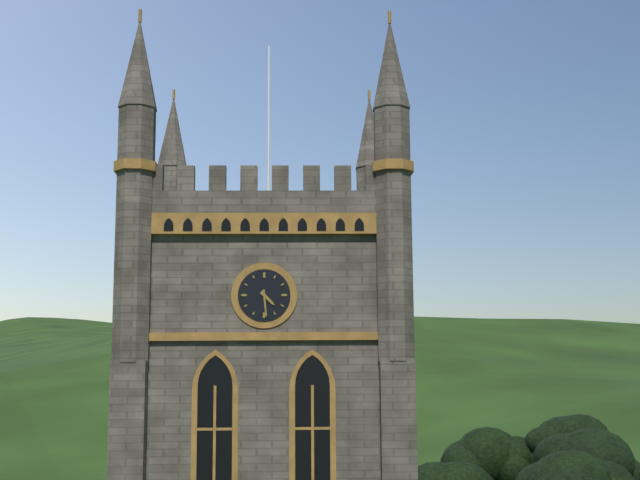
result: 4.29
